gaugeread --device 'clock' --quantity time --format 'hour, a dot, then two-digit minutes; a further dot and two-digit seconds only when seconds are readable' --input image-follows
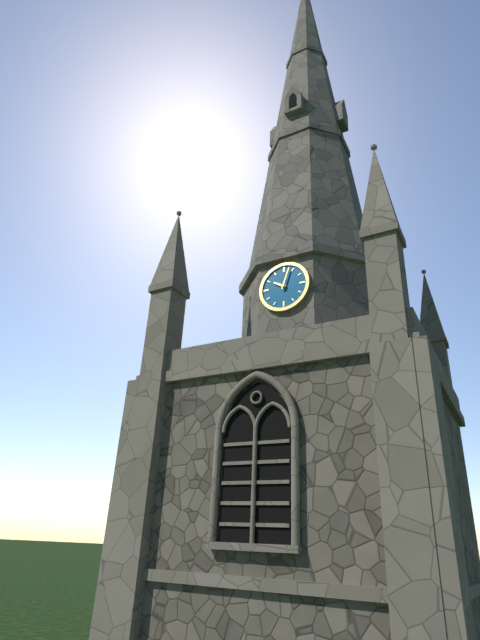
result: 10.03
